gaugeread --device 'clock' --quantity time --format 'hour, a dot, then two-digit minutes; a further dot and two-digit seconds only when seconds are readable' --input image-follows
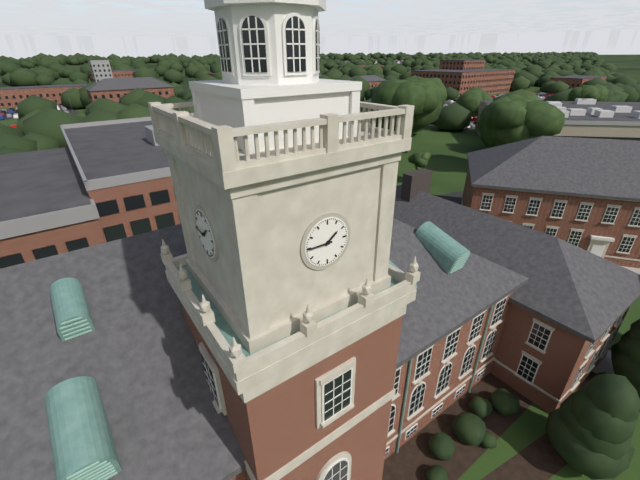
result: 1.45
